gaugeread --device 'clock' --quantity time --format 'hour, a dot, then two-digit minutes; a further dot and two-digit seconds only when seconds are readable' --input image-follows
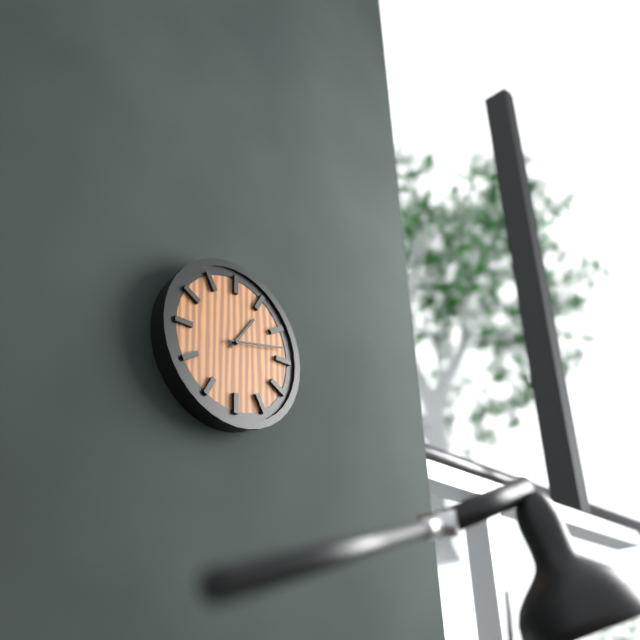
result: 1.13
